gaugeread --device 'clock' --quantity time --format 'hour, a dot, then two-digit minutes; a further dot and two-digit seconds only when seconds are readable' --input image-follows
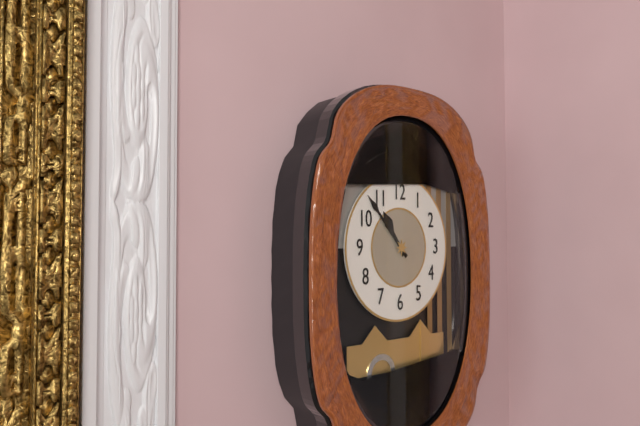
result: 10.53
